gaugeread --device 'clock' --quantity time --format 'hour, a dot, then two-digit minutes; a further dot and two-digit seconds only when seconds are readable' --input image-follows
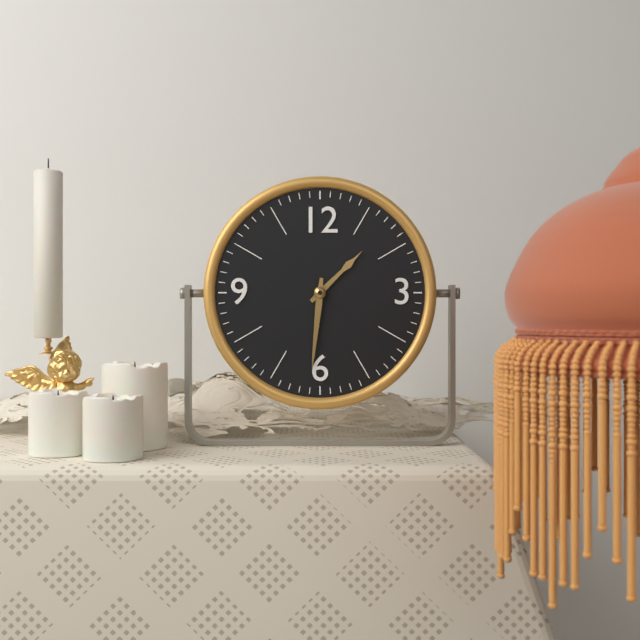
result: 1.31
